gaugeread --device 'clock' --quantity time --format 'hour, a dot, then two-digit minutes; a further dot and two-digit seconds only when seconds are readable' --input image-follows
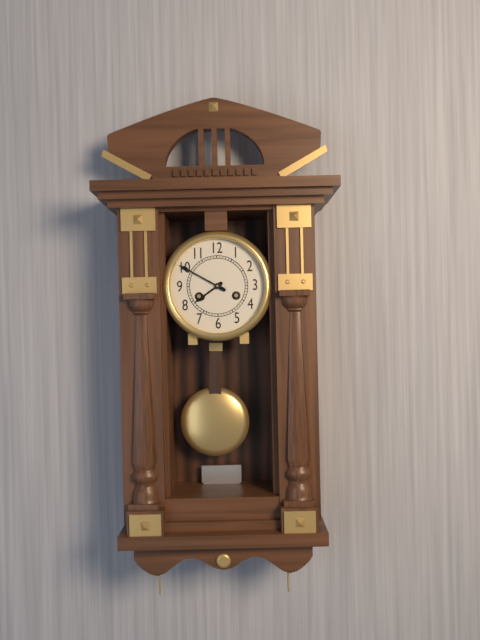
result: 7.50
